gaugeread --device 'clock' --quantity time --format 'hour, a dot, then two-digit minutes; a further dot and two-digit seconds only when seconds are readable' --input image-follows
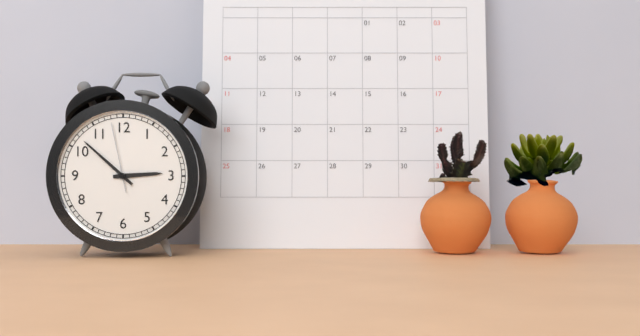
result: 2.52.58
